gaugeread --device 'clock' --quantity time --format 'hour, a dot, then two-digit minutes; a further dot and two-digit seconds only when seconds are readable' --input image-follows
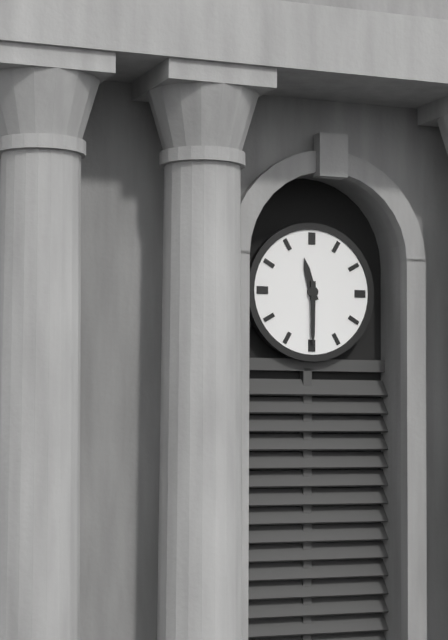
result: 11.30
